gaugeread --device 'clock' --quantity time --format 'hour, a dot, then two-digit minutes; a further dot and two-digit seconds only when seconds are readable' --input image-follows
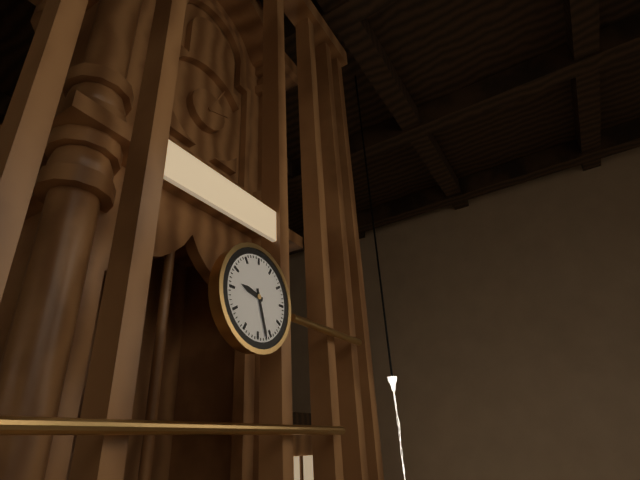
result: 9.27
